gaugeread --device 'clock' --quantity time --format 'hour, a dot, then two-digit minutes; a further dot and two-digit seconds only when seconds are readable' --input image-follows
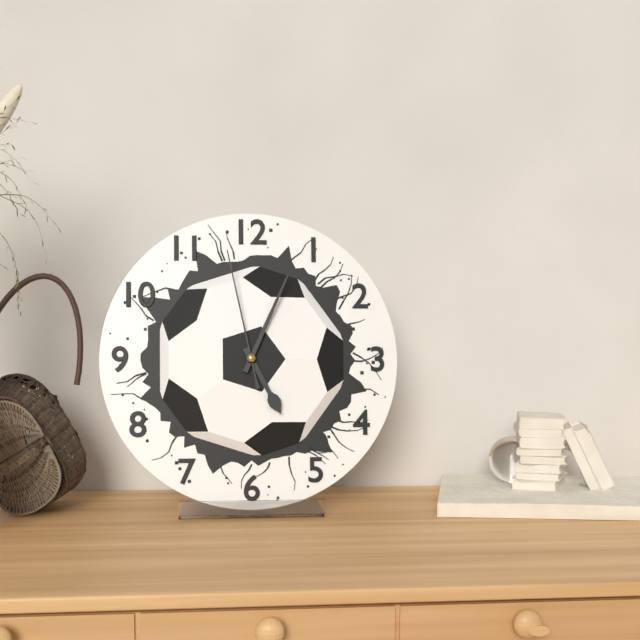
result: 5.04.58
